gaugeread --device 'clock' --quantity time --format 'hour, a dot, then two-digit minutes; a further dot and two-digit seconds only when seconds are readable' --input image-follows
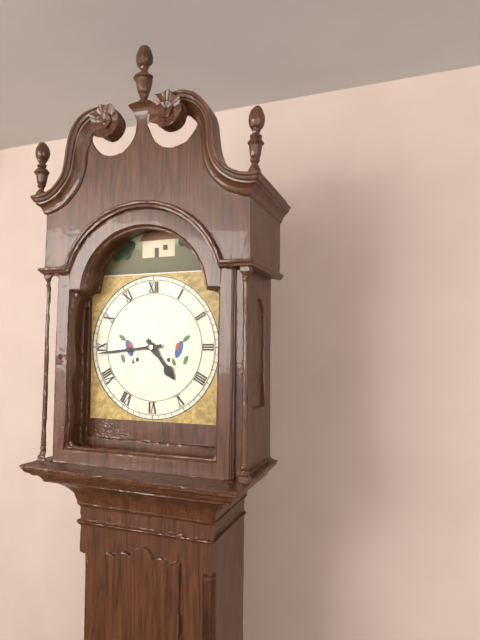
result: 4.44
